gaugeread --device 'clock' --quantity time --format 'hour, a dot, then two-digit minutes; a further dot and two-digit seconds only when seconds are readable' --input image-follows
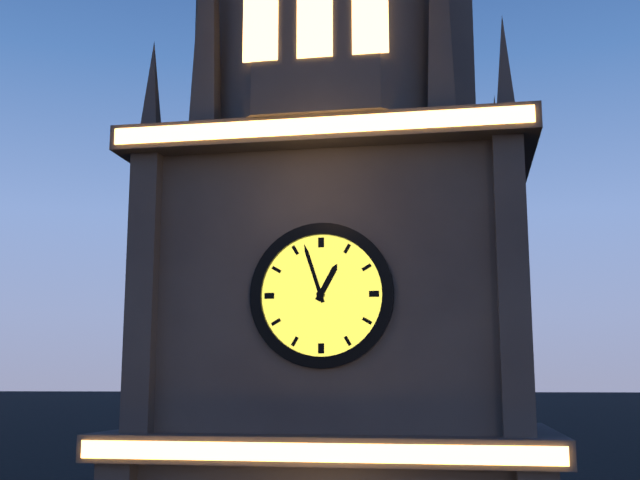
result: 12.57
